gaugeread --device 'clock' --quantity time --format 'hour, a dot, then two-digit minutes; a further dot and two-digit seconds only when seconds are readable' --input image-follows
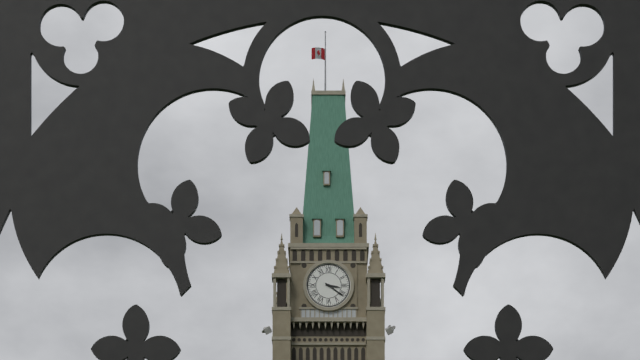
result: 3.21
